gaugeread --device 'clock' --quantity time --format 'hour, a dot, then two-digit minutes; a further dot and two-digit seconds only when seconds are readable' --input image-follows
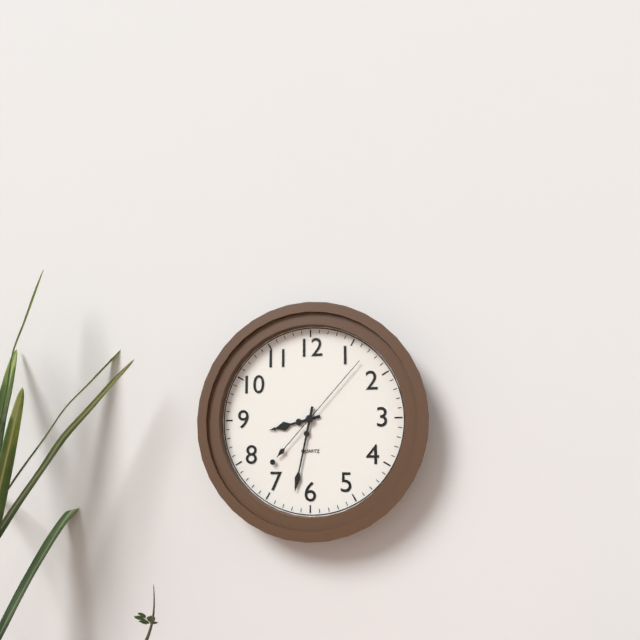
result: 8.32.07
